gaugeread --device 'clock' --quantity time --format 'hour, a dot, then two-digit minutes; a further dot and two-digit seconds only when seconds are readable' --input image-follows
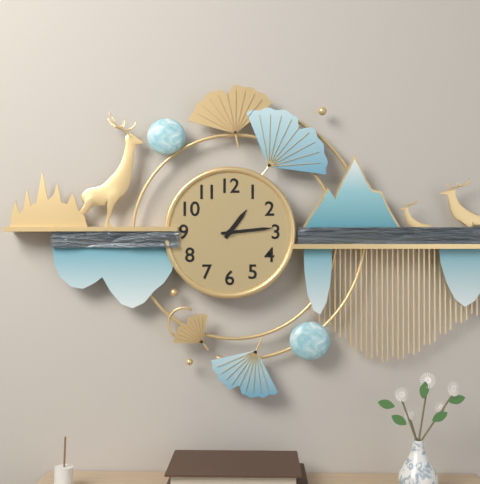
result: 1.14
